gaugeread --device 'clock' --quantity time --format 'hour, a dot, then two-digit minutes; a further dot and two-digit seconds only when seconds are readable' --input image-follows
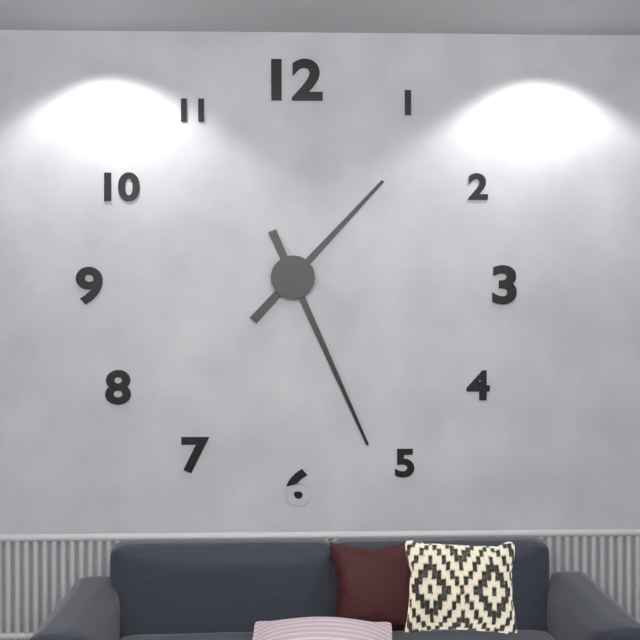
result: 1.26
